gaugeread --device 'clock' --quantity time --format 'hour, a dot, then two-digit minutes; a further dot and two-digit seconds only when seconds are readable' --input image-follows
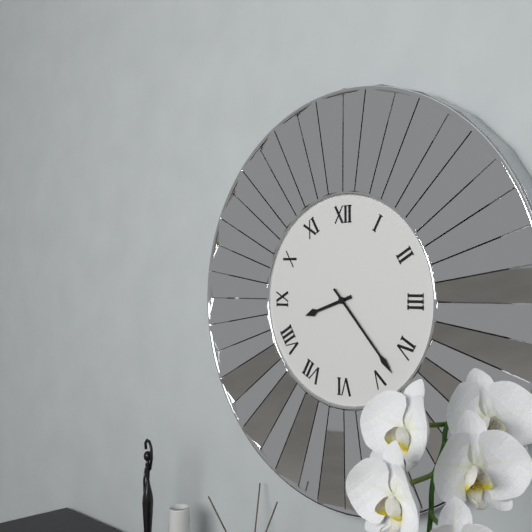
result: 8.23
